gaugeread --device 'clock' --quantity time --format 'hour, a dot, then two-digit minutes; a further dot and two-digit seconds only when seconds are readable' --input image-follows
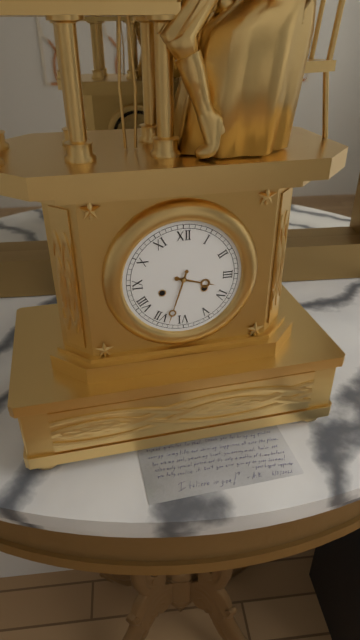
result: 3.33
